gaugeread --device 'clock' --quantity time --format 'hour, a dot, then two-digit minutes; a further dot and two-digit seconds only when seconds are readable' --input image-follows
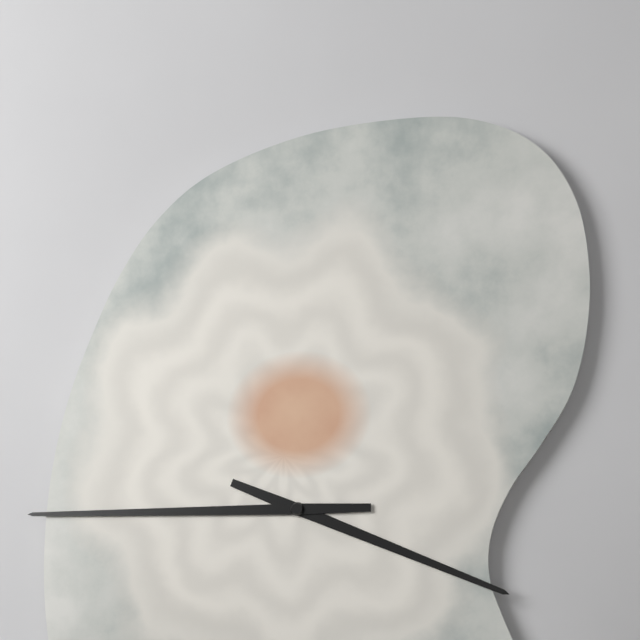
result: 3.45
